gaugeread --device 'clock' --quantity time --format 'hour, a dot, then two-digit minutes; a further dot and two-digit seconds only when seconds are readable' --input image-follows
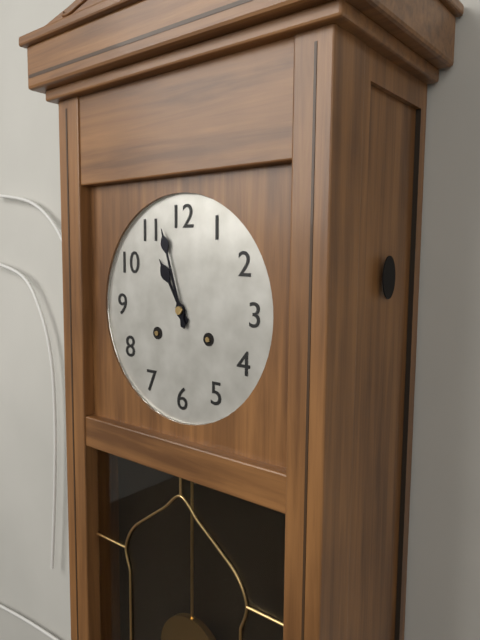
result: 10.57
